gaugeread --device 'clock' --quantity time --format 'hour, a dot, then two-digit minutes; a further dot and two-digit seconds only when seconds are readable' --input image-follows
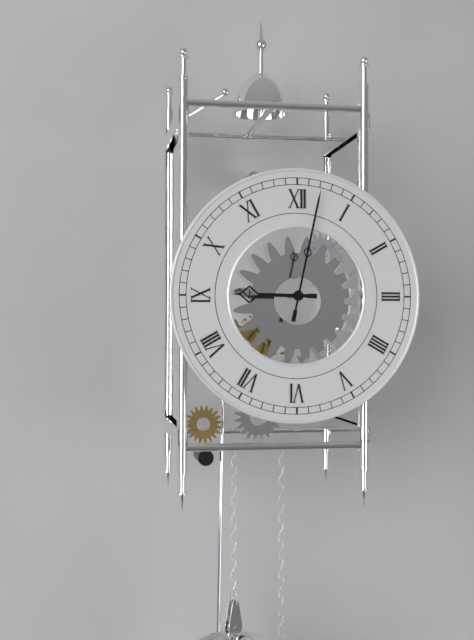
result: 9.02
